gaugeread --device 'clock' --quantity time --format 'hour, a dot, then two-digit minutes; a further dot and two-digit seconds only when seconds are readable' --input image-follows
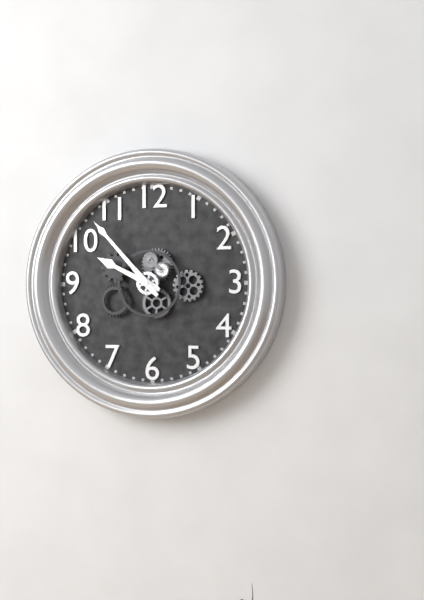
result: 9.53
